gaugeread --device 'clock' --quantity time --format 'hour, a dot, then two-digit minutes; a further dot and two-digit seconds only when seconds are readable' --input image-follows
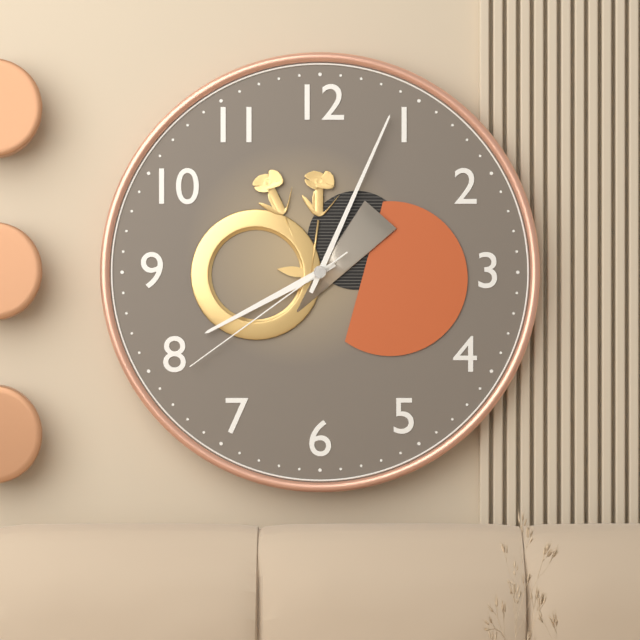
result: 8.04.39
